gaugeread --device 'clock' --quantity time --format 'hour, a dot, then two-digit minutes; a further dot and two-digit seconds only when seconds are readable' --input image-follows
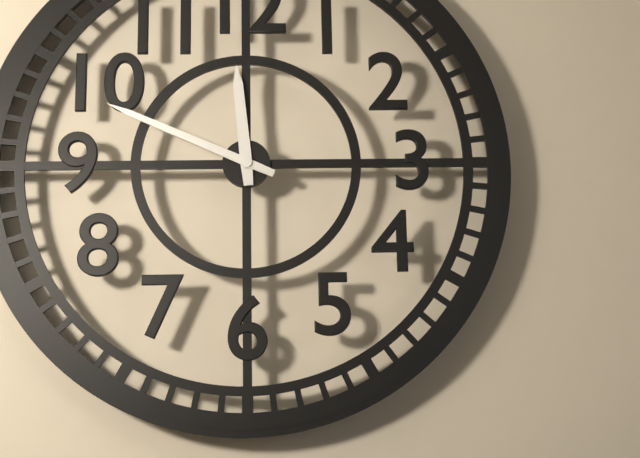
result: 11.49
